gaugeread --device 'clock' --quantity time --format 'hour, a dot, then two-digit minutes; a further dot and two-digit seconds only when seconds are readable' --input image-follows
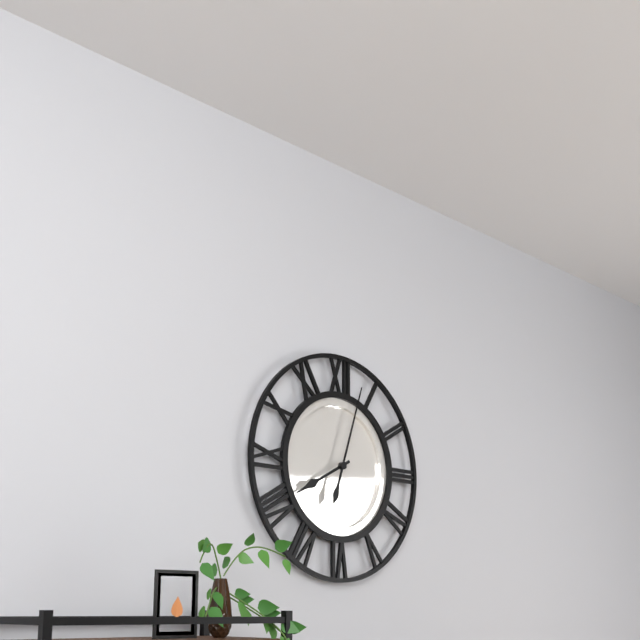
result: 8.03
